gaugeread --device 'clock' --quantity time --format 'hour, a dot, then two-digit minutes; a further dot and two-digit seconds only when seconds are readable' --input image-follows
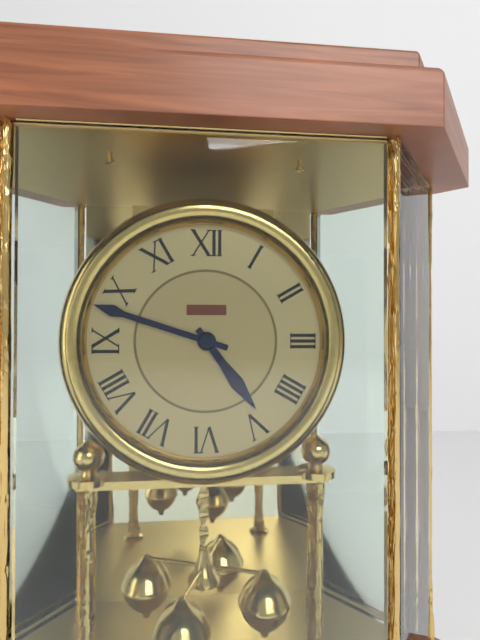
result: 4.48
